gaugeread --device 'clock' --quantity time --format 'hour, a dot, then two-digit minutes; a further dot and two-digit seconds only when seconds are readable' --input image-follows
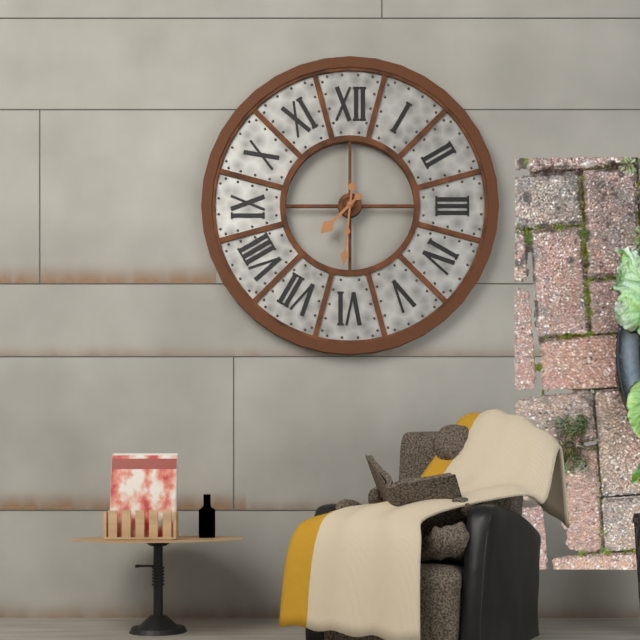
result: 7.31
